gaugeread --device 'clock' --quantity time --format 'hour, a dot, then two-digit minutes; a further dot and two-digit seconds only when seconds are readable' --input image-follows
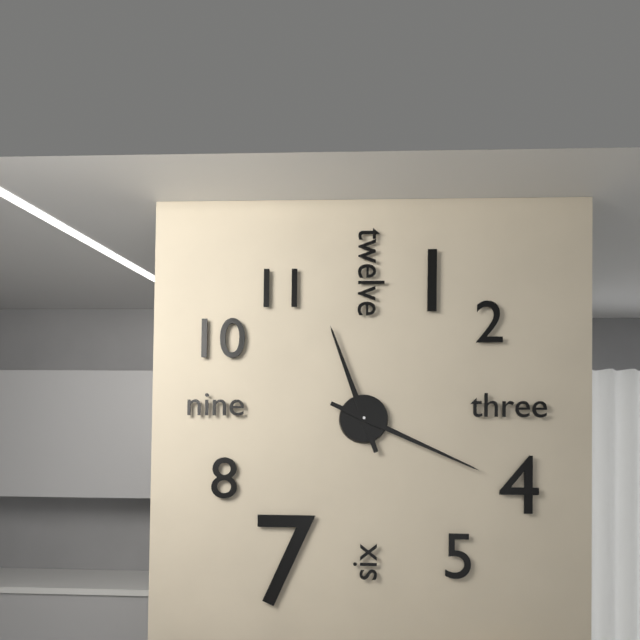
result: 11.19
